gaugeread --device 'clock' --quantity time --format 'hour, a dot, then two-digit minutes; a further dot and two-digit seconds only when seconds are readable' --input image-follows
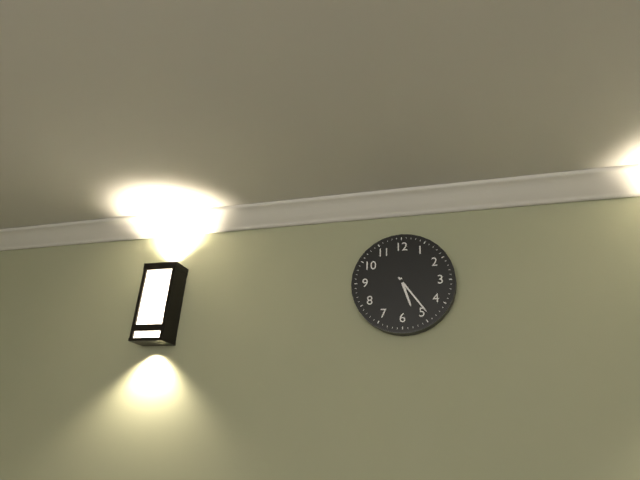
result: 5.24
